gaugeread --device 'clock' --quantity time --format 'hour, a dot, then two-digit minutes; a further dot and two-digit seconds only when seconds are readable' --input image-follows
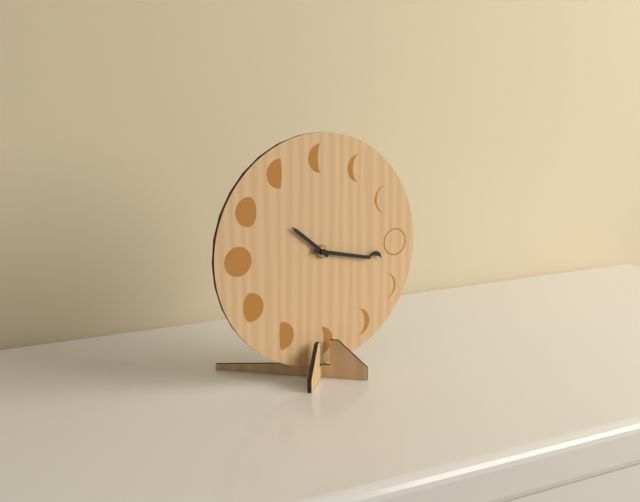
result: 10.17
